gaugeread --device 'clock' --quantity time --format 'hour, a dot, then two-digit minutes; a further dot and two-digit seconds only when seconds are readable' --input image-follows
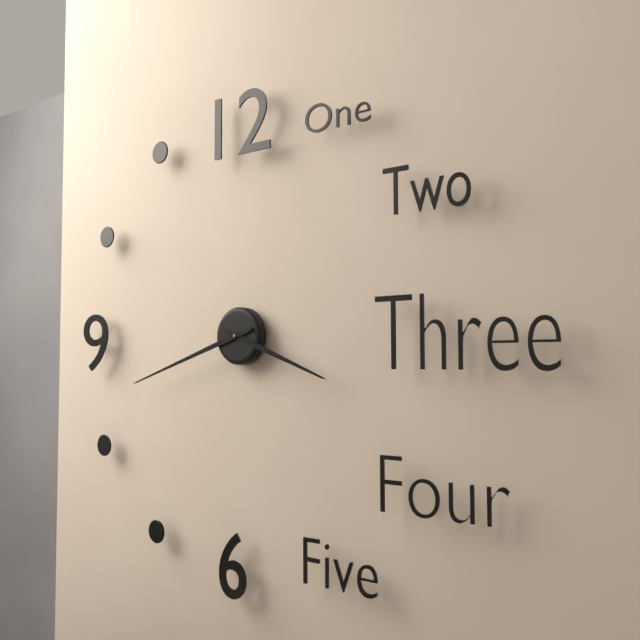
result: 3.42
